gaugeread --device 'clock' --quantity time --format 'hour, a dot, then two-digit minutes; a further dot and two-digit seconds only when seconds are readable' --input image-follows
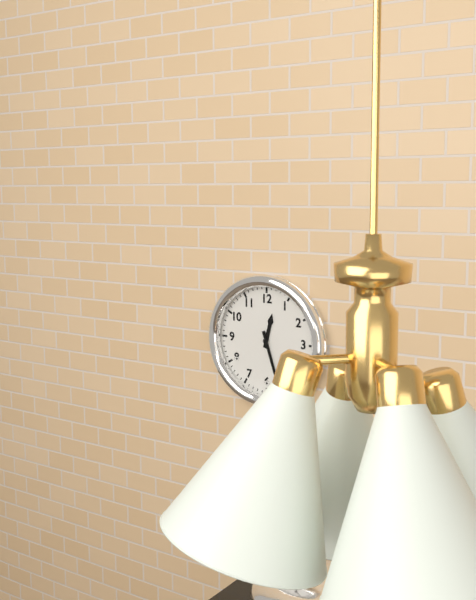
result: 12.27
